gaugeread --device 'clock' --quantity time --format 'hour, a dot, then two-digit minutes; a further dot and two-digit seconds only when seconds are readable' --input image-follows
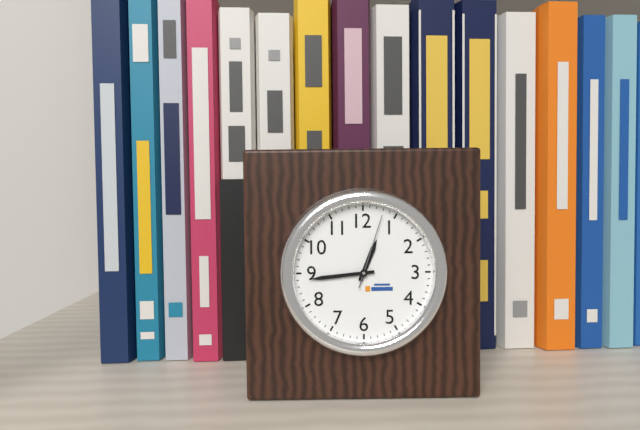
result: 12.44.03
